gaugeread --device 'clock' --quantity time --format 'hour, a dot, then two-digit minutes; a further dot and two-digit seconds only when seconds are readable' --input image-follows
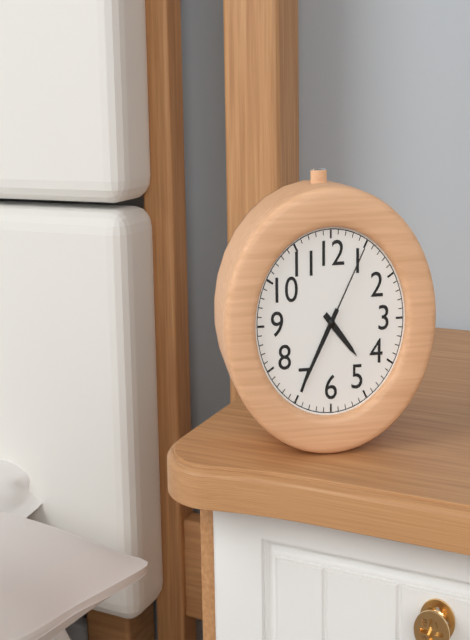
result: 4.35.05
